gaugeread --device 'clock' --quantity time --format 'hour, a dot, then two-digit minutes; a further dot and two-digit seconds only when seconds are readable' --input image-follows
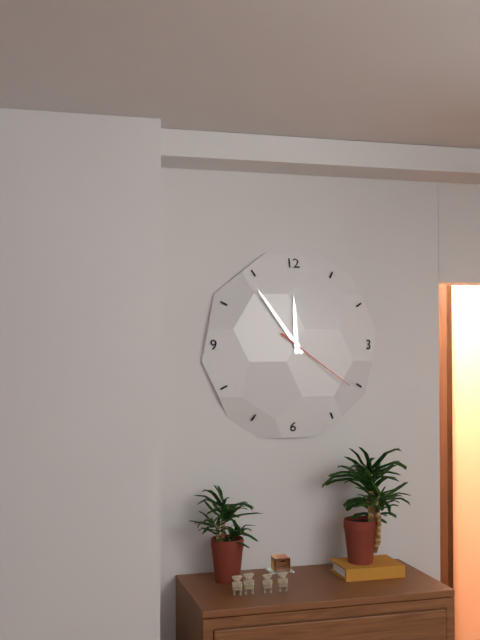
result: 11.54.21
